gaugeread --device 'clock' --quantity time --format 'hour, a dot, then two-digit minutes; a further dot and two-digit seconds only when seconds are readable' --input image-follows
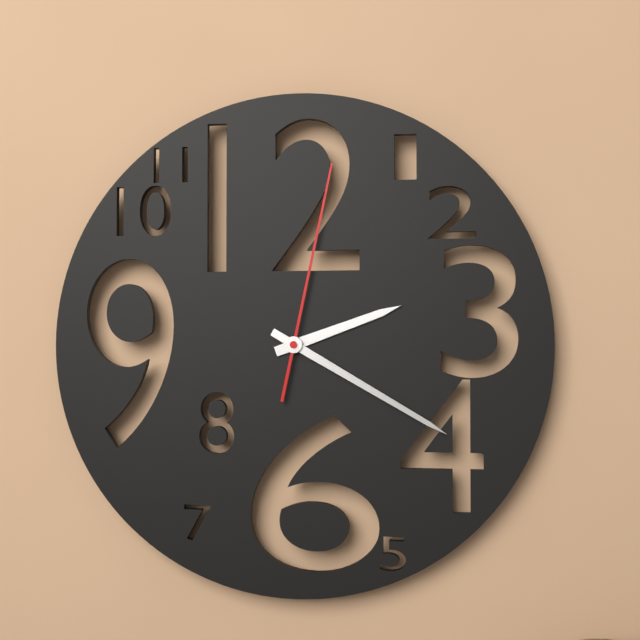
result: 2.20.02
